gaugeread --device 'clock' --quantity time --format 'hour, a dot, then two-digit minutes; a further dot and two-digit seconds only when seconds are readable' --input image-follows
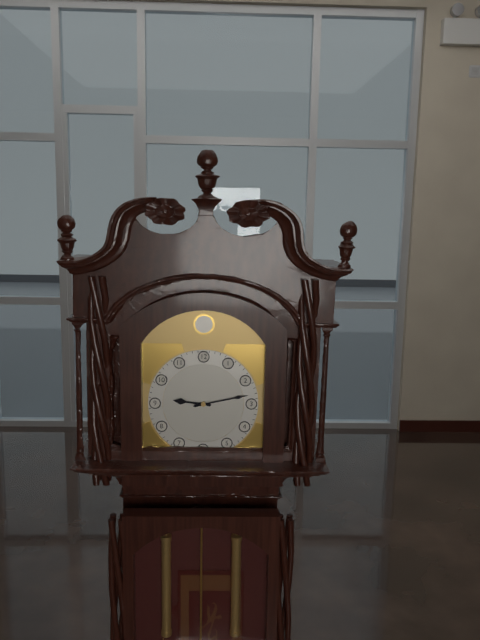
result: 9.13
